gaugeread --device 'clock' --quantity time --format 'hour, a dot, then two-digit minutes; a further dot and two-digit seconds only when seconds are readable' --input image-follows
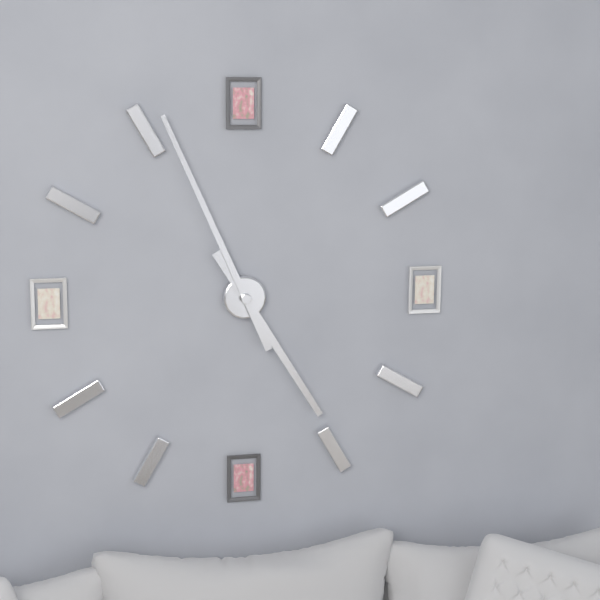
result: 4.56
